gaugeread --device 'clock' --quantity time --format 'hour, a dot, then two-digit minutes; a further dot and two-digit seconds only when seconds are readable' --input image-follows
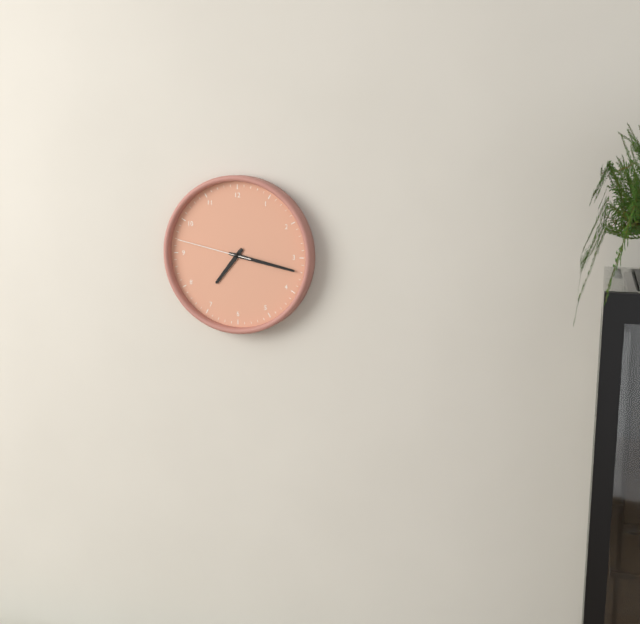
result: 7.17.47
